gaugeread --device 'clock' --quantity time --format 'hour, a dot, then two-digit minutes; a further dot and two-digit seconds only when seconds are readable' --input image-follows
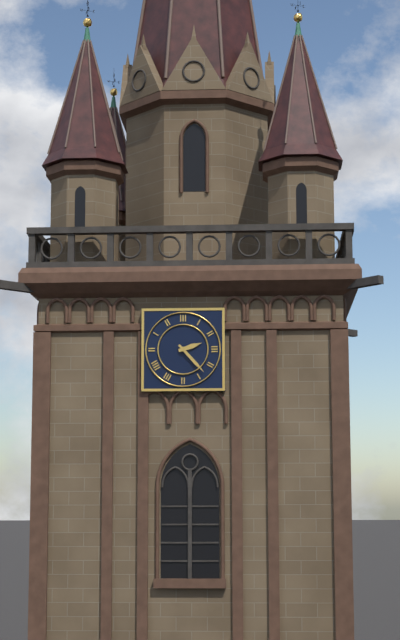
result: 2.23
